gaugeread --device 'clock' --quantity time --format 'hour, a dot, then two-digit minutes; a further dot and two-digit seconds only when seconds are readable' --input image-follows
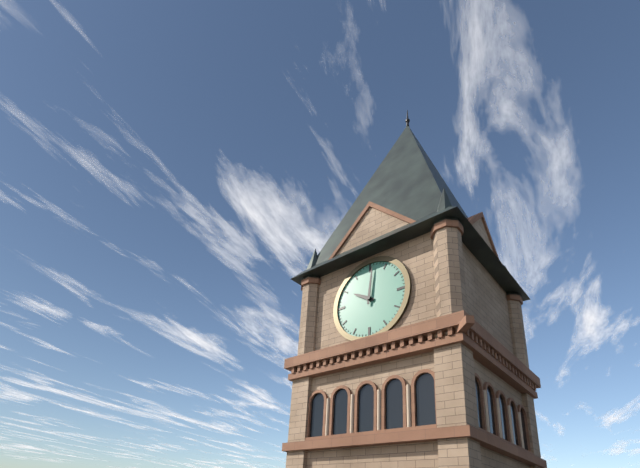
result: 10.01
